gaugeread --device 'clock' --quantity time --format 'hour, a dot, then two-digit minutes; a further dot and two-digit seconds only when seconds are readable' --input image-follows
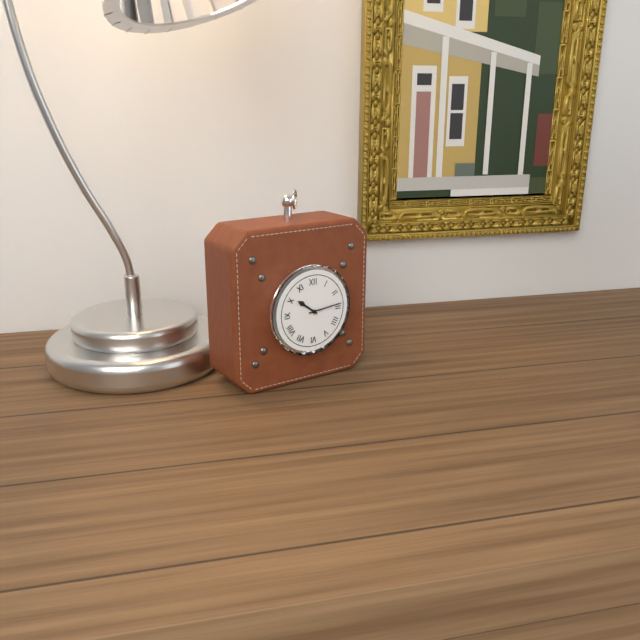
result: 10.14
